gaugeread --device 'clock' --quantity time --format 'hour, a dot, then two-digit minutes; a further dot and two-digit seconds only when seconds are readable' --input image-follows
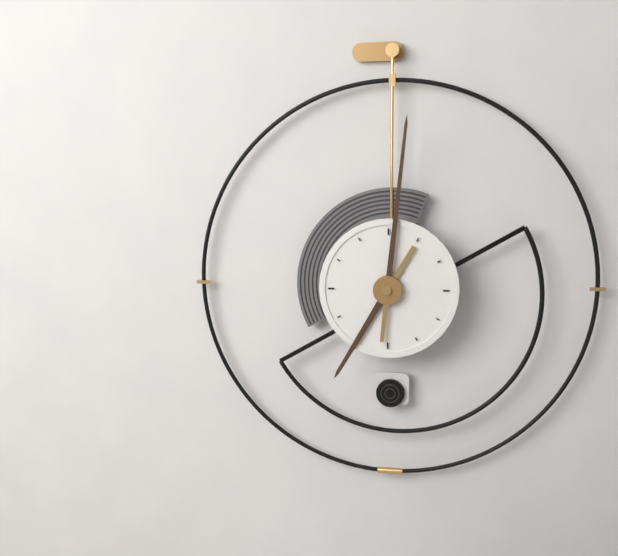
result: 7.01
